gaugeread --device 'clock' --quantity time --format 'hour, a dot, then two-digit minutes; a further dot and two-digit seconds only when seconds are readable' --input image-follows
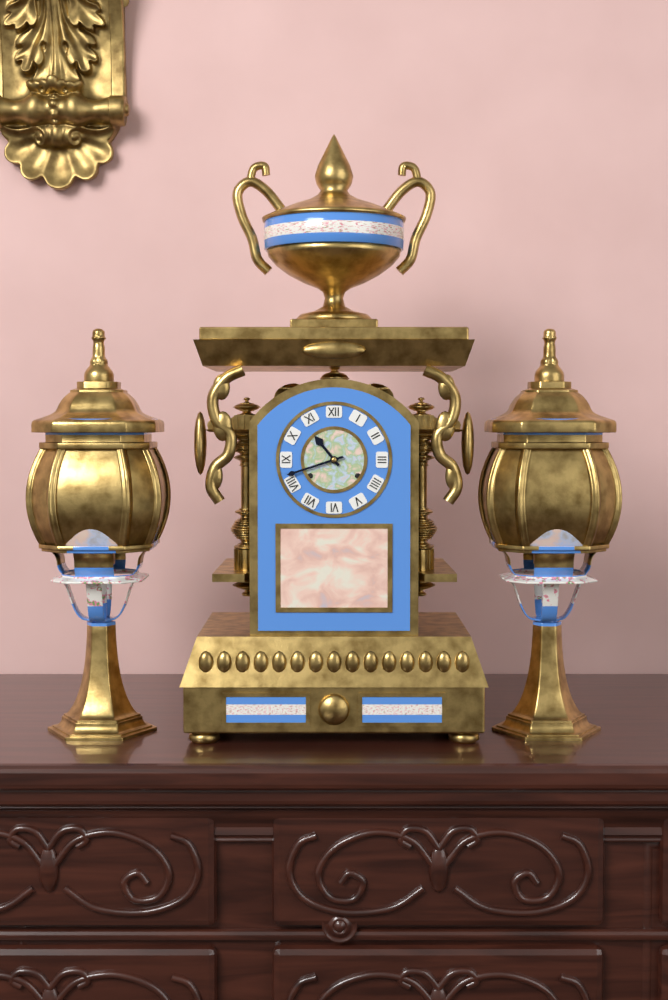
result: 10.42
